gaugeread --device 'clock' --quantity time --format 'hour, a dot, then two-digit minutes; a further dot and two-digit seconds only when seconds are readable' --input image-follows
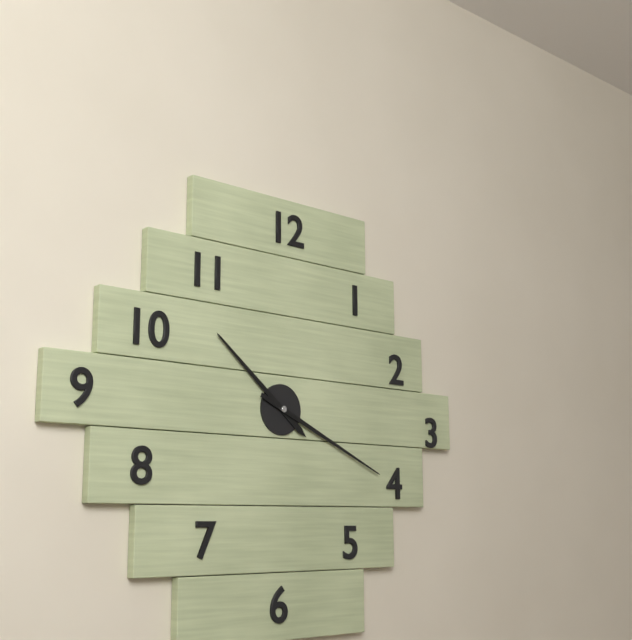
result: 10.19
